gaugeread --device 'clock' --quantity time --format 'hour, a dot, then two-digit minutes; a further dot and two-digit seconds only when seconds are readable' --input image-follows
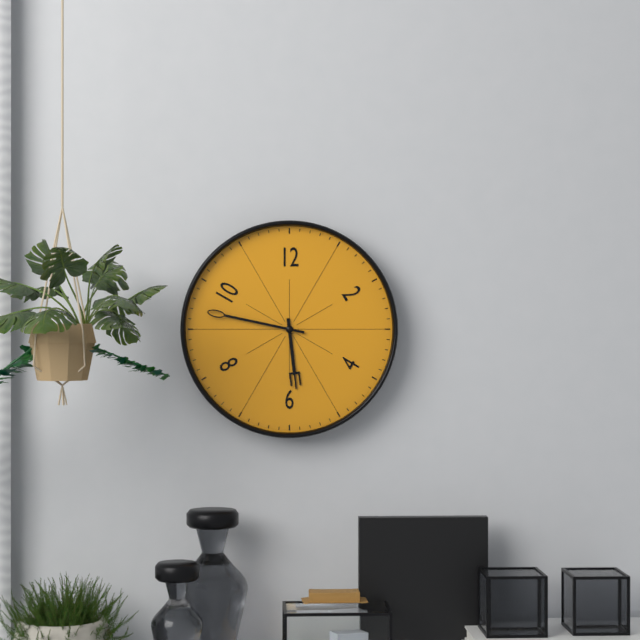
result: 5.47
